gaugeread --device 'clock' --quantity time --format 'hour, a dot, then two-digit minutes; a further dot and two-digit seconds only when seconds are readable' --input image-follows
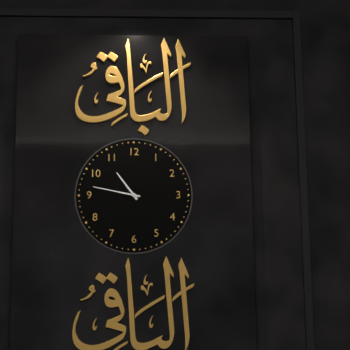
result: 10.47
